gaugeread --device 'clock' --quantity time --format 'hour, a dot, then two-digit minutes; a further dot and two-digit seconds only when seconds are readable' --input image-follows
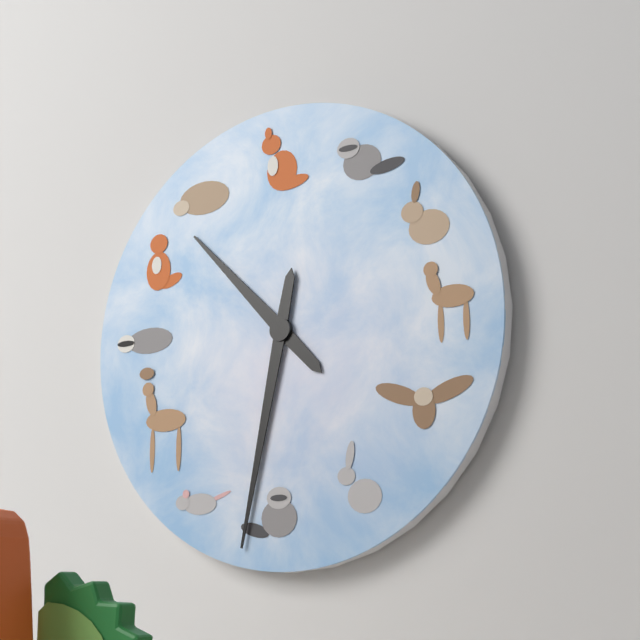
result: 10.32
